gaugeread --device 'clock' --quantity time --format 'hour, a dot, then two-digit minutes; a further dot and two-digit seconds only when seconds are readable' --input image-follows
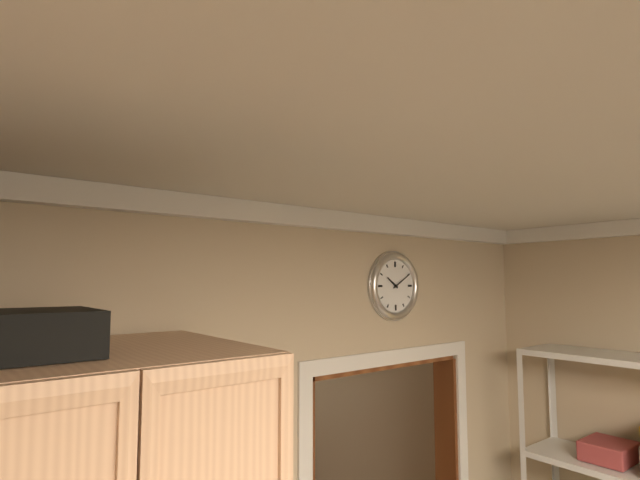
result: 10.10
